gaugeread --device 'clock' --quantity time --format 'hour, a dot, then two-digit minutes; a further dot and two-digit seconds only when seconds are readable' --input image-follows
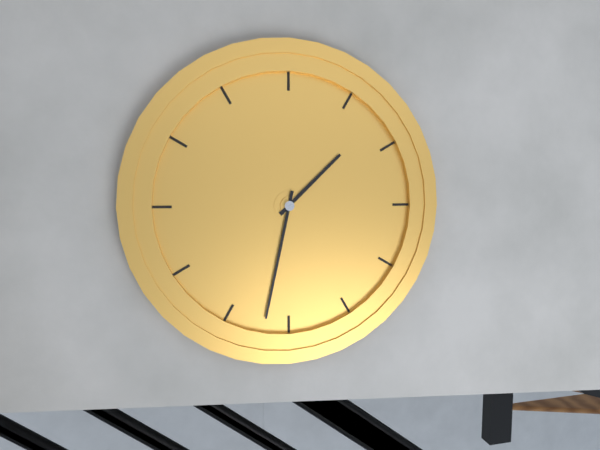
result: 1.32
